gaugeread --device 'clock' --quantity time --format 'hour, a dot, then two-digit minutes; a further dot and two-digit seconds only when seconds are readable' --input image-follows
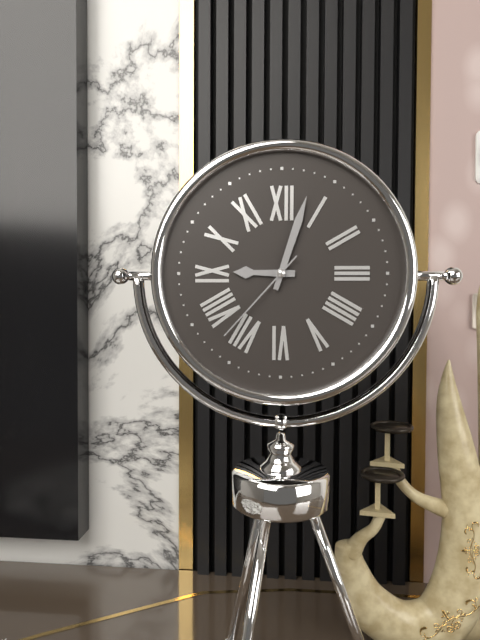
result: 9.03.37
